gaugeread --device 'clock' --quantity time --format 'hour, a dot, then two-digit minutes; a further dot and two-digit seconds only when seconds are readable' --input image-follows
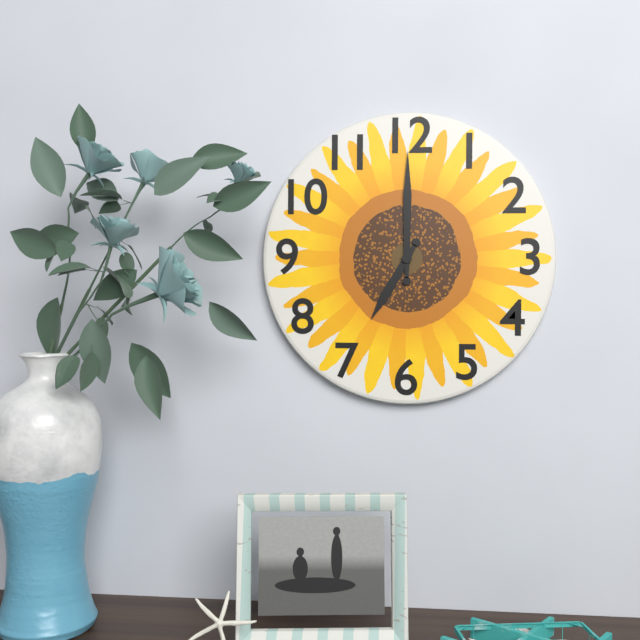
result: 7.00
